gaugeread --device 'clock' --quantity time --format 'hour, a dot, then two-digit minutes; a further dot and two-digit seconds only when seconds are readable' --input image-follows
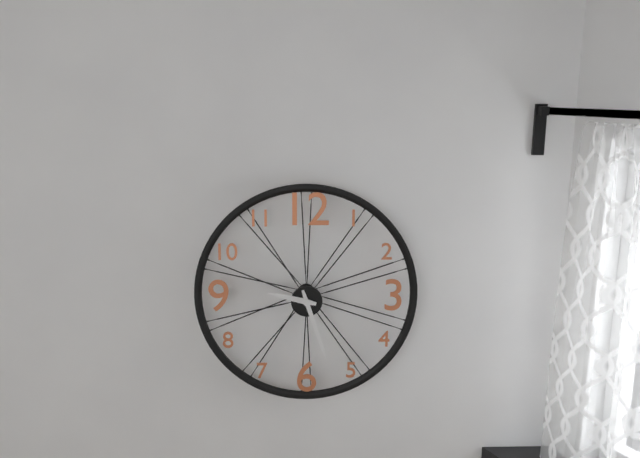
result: 9.27
